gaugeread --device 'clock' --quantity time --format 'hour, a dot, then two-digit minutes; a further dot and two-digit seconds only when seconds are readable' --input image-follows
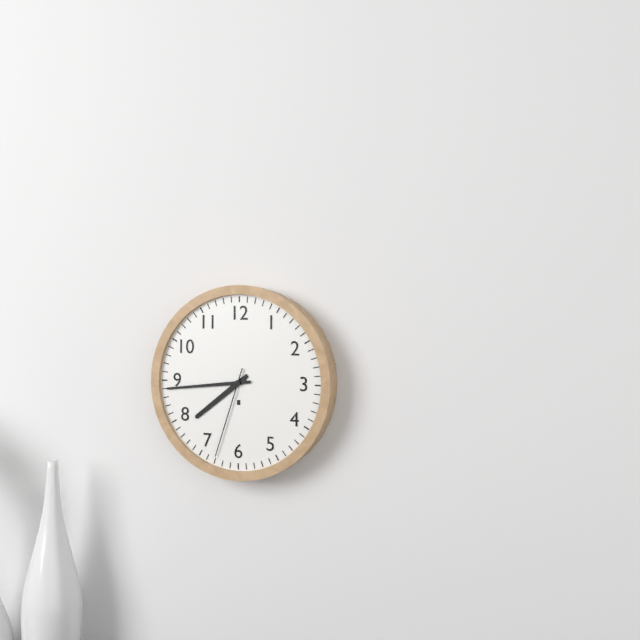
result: 7.44.33
